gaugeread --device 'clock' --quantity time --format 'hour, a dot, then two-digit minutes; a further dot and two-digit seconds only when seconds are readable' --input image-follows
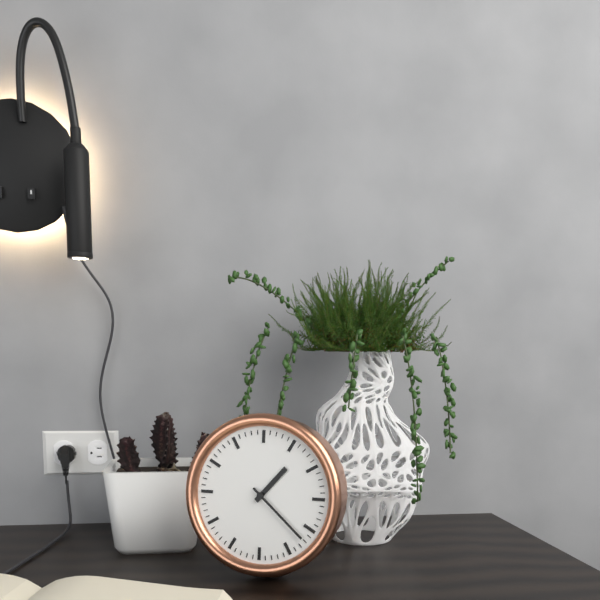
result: 1.22
